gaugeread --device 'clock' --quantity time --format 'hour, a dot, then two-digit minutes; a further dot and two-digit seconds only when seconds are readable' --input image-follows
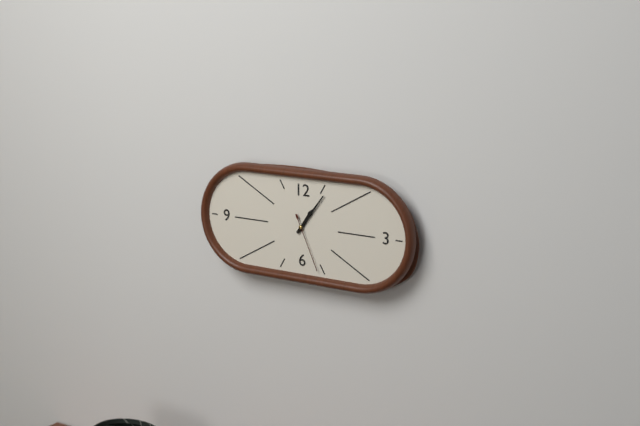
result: 1.06.26
